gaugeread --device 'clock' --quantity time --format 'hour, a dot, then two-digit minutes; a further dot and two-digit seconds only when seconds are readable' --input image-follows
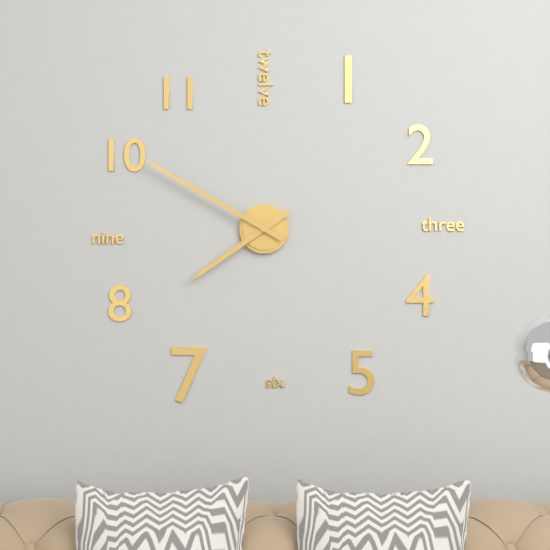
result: 7.50
